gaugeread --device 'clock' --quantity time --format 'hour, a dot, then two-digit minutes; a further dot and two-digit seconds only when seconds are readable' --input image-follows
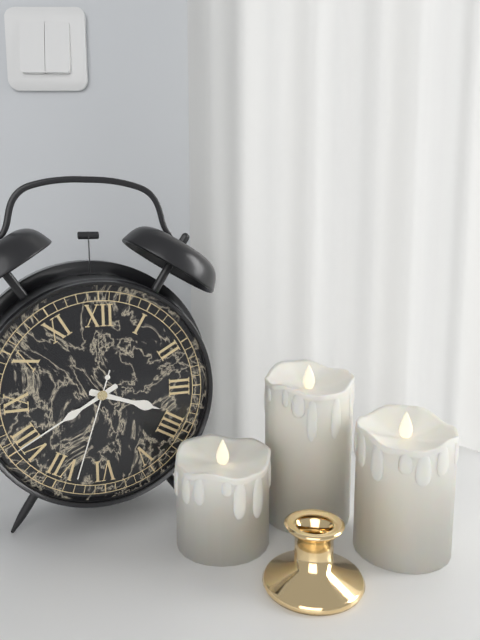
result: 3.40.33
